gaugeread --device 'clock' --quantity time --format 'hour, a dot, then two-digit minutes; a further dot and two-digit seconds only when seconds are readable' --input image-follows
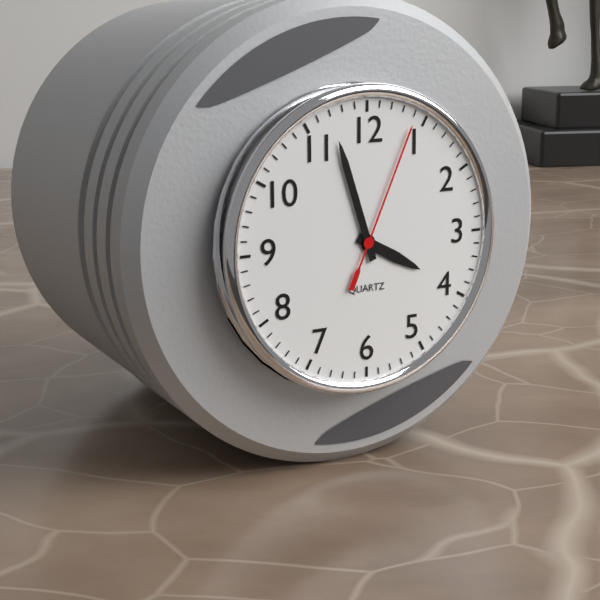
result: 3.57.04
